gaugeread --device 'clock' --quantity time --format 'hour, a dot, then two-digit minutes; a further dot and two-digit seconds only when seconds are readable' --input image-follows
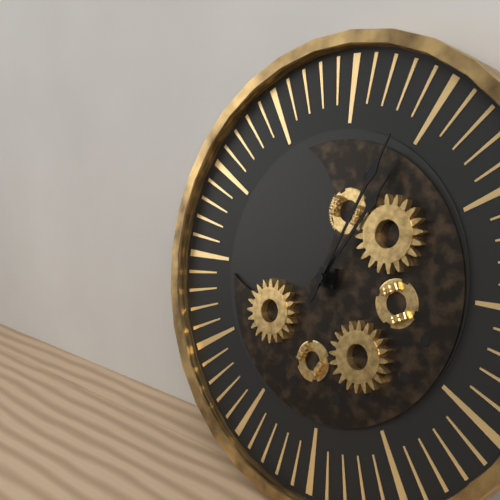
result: 1.04
